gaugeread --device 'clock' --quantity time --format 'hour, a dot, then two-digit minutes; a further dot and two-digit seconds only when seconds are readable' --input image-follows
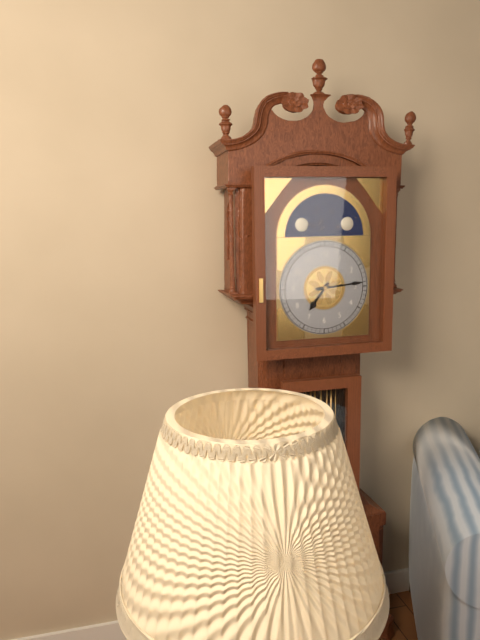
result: 7.14
